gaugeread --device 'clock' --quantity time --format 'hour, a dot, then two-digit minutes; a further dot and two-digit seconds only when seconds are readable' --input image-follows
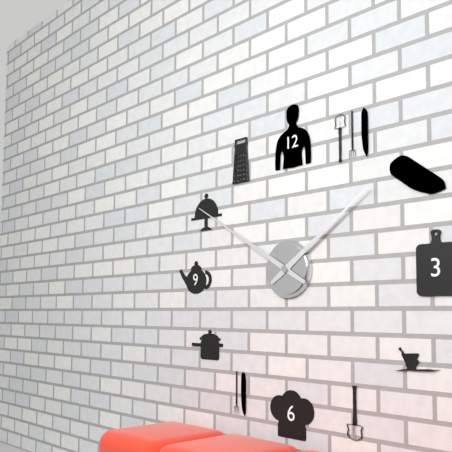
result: 1.50
